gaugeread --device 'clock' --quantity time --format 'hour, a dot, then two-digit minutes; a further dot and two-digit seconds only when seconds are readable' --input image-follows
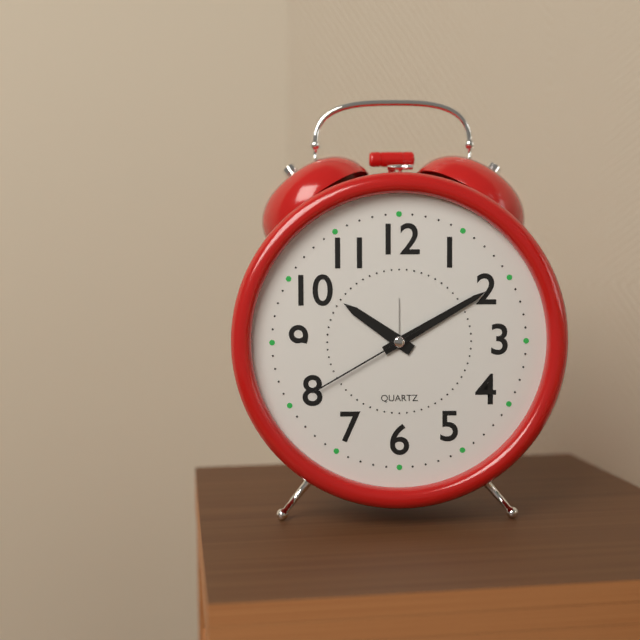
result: 10.10.40
